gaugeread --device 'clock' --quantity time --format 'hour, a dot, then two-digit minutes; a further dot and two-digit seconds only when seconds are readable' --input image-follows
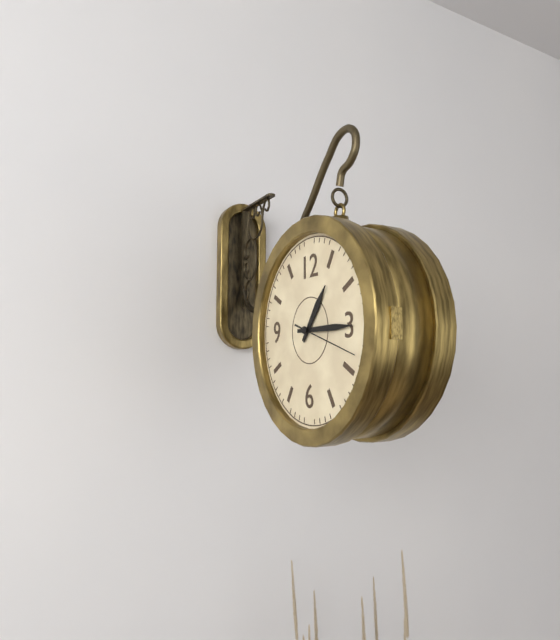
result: 1.15.18
